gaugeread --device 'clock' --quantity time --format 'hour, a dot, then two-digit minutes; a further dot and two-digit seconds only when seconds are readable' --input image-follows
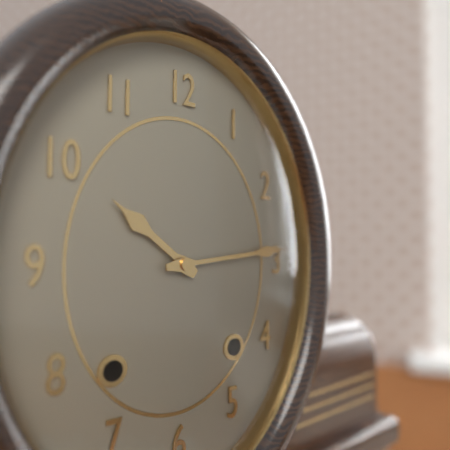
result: 10.14
